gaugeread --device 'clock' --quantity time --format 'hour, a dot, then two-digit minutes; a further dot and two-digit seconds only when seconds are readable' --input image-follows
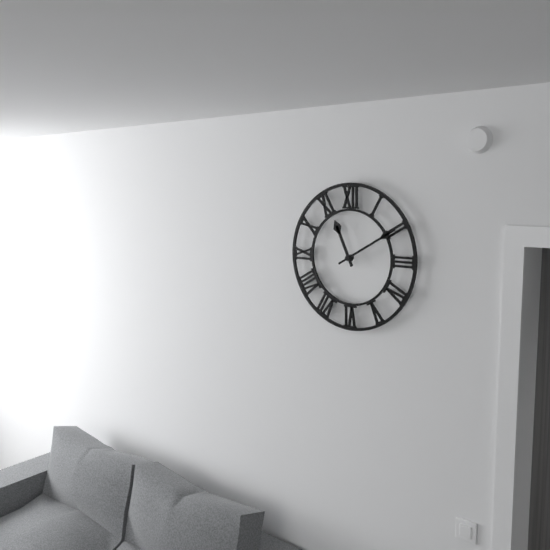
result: 11.10
